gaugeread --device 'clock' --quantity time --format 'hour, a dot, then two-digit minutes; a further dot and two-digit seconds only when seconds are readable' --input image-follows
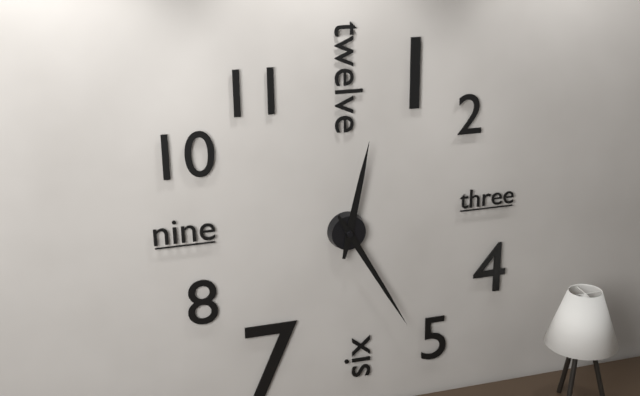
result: 12.25
